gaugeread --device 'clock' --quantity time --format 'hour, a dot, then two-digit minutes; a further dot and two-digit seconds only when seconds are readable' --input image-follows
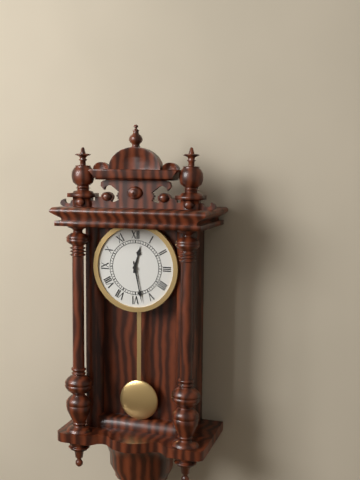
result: 12.28
